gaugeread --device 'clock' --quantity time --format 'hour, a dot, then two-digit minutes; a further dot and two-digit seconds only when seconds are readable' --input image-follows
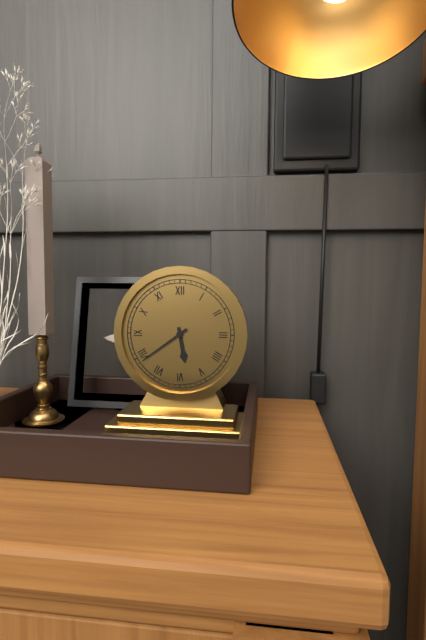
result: 5.39
